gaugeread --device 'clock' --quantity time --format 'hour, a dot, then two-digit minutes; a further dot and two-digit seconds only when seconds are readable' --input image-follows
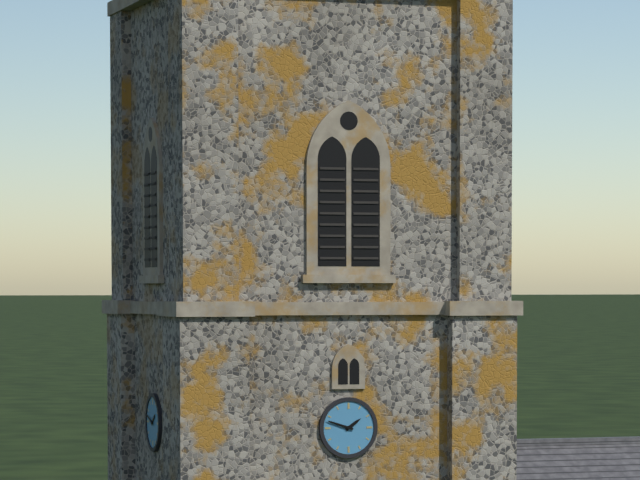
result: 1.48
